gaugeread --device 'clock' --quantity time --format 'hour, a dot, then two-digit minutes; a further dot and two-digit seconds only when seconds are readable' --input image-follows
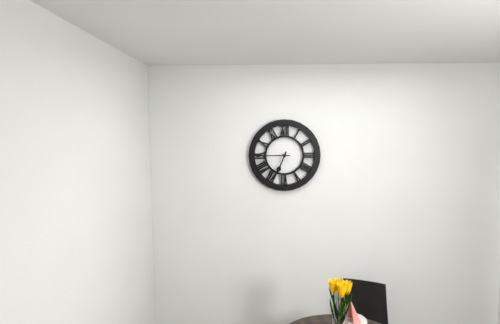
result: 6.45
